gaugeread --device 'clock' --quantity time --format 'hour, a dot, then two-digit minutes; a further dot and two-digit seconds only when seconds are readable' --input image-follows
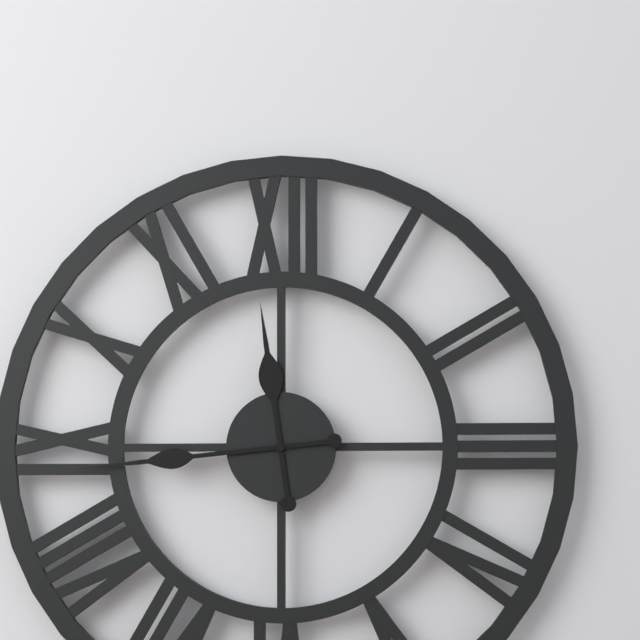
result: 11.44
